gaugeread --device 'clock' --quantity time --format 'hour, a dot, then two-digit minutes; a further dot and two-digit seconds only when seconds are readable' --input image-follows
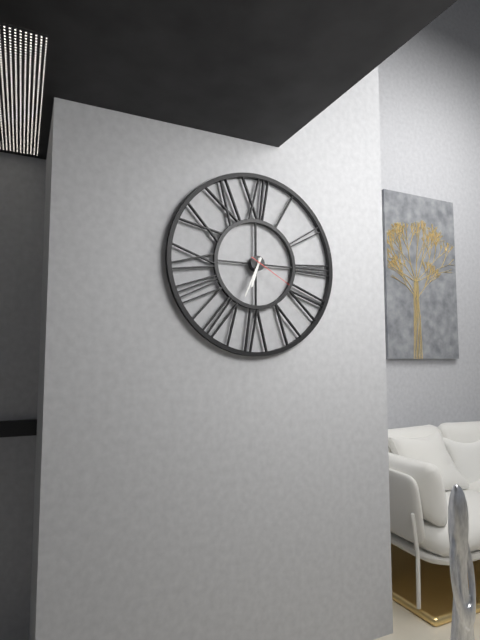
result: 6.34.20
